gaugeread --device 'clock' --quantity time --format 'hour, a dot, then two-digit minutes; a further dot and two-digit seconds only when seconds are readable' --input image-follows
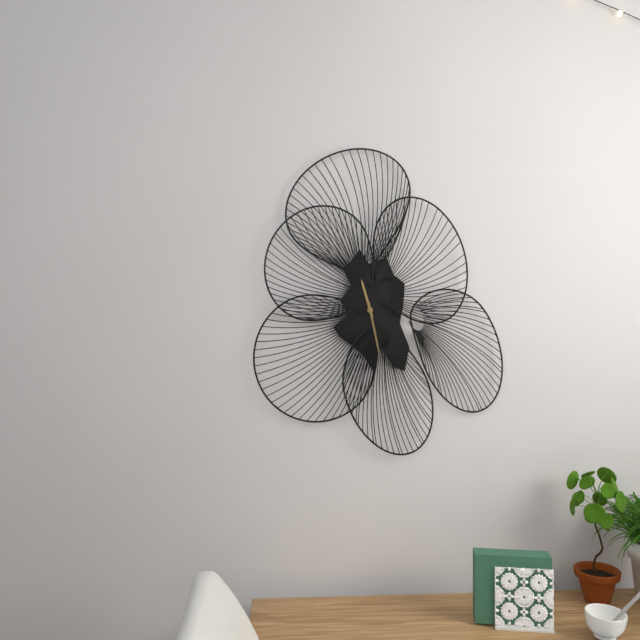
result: 11.28
